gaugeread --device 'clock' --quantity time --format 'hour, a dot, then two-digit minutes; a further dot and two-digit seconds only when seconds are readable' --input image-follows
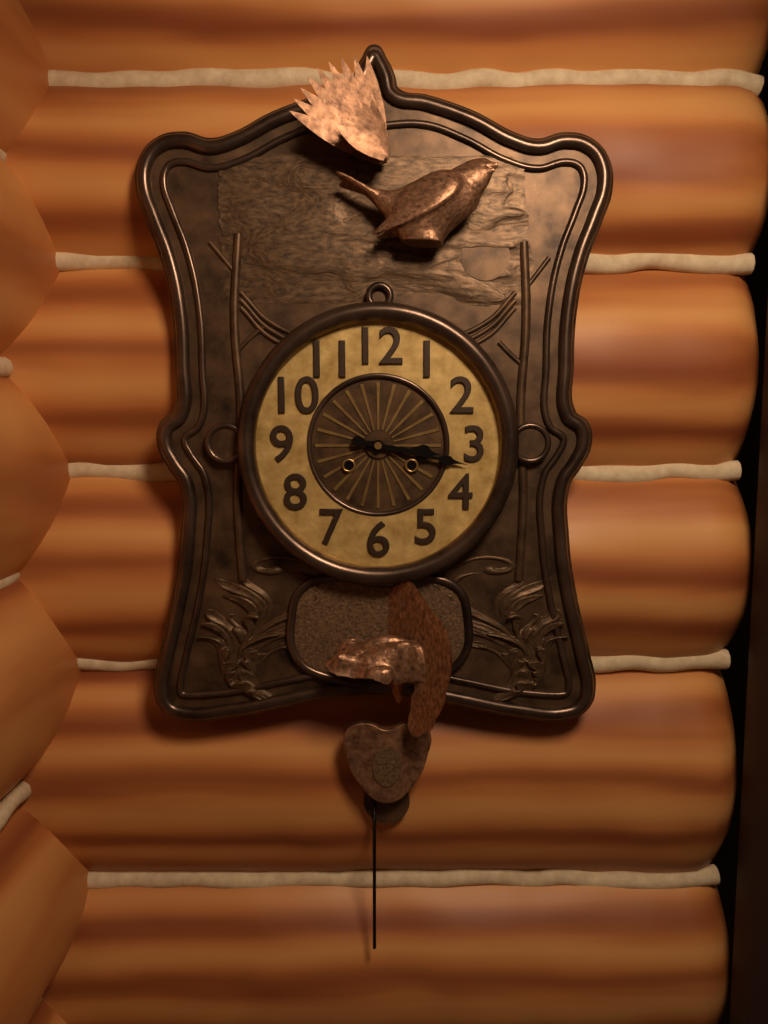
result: 3.17
